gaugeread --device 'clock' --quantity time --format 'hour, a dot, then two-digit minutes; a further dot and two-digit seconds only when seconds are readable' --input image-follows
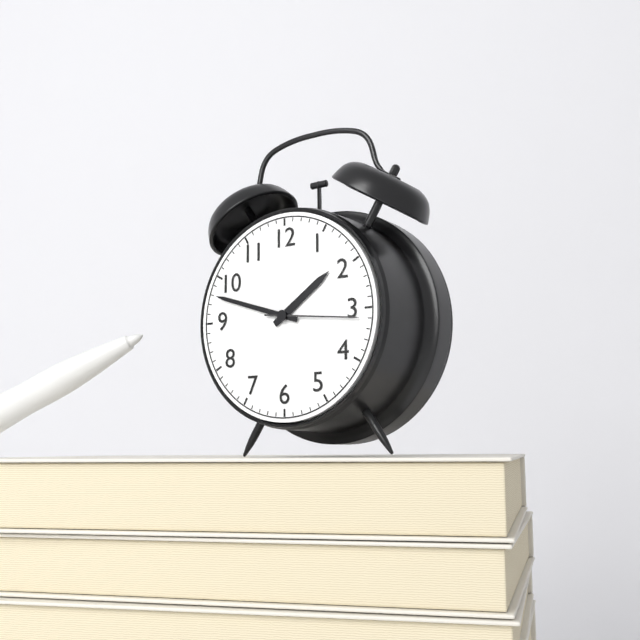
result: 1.48.16
